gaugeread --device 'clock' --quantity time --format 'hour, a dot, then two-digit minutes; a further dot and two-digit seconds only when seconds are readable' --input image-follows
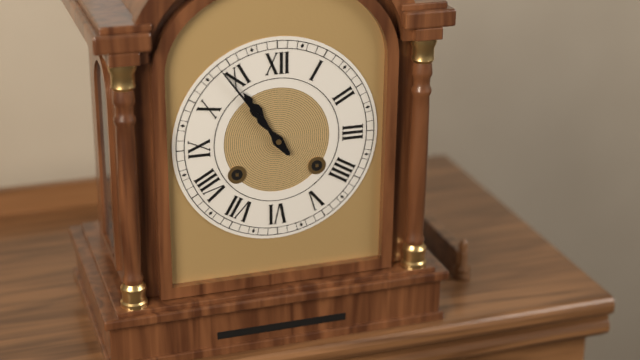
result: 10.54
